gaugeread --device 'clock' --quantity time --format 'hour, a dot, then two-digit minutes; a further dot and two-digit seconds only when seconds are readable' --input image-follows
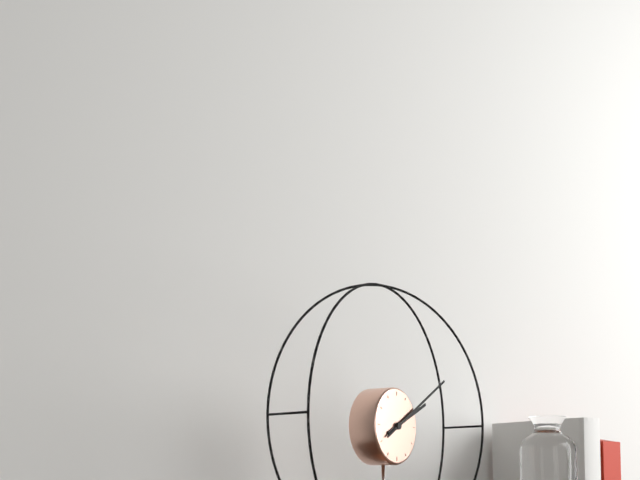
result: 2.10
